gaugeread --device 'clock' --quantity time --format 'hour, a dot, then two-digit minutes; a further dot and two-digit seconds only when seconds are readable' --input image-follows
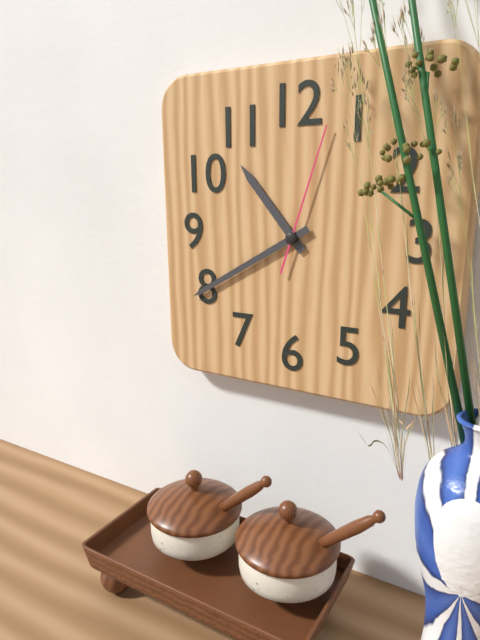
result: 10.40.03
